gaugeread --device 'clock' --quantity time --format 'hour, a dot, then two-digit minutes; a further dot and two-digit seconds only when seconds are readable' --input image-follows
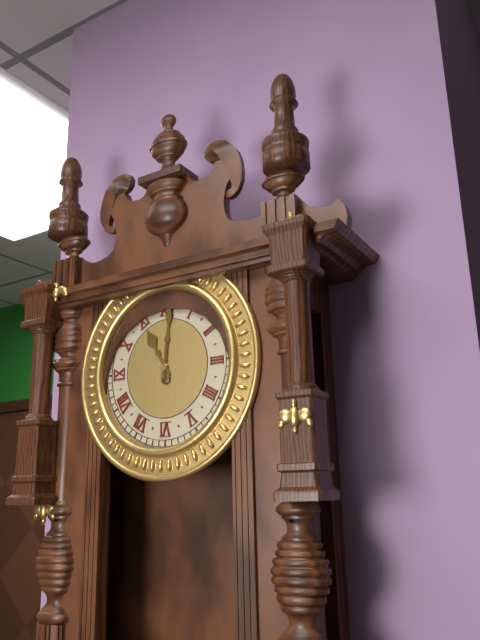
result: 11.01
